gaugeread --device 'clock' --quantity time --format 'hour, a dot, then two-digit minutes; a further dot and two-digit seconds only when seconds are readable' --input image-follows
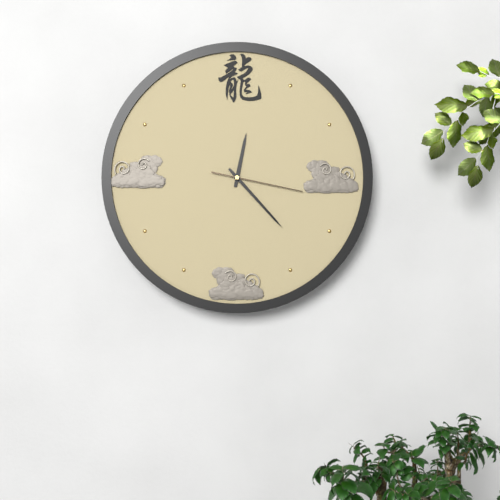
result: 12.23.17
